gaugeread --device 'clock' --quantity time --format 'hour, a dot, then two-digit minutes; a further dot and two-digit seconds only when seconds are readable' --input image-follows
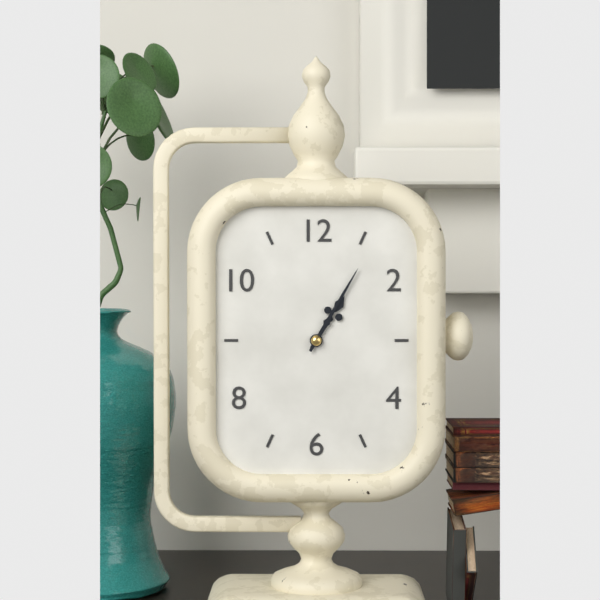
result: 1.05
